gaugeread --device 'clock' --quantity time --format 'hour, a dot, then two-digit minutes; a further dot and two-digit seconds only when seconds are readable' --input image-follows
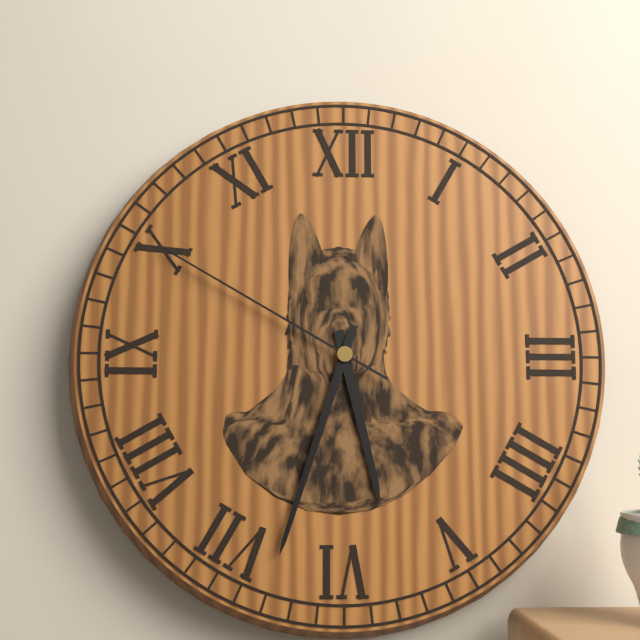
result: 5.33.50
